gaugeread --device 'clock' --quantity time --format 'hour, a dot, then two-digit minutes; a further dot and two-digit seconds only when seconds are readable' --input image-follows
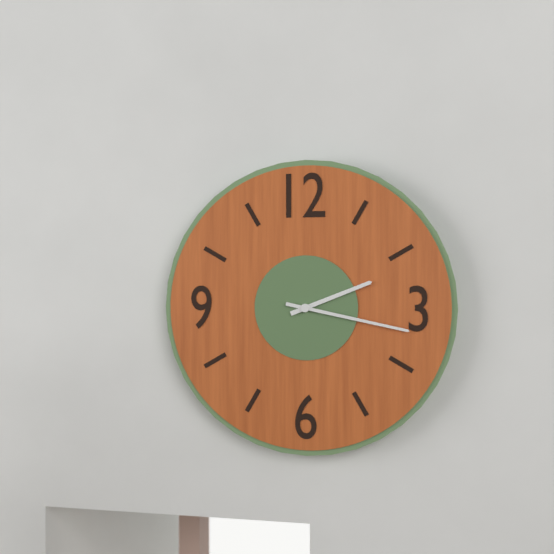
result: 2.17
